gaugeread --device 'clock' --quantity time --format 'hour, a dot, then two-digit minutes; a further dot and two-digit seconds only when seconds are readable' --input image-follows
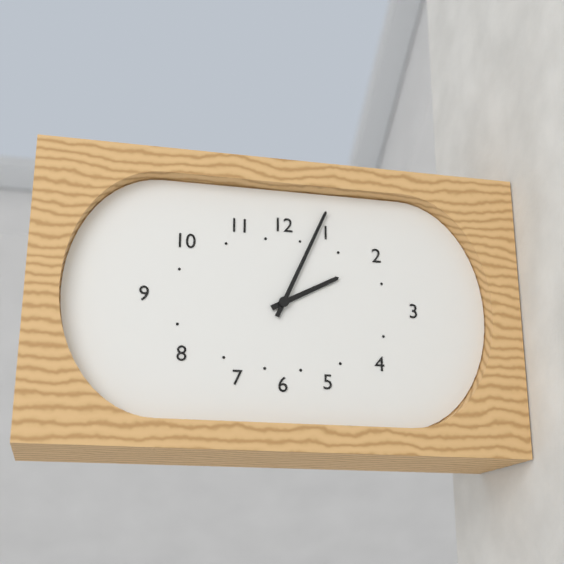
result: 2.04
